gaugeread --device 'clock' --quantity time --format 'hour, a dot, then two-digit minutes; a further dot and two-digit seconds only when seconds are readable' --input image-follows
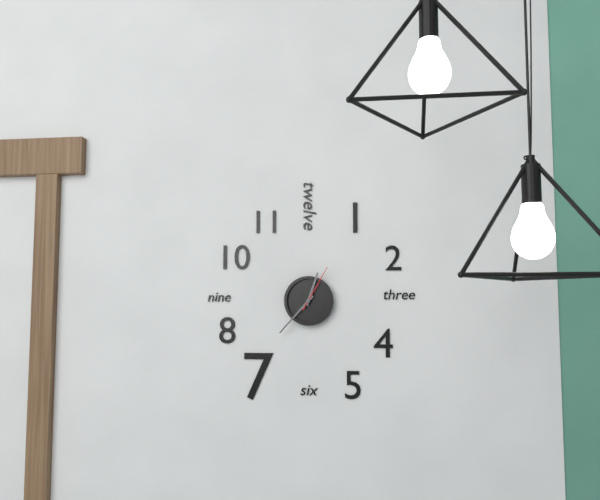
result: 12.37
